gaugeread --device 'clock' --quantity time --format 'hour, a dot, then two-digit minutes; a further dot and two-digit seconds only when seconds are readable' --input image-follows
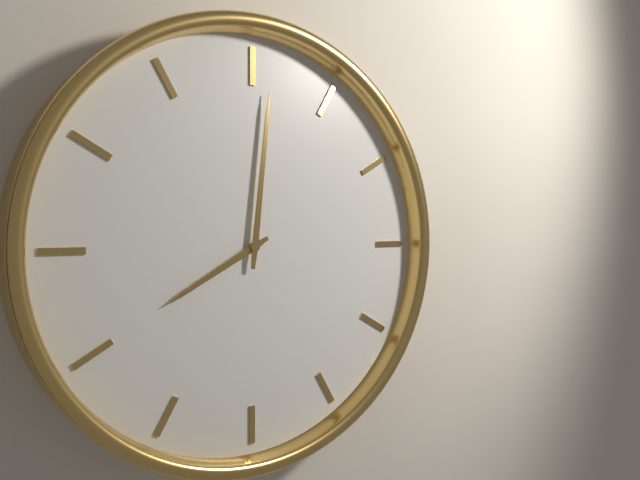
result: 8.01
